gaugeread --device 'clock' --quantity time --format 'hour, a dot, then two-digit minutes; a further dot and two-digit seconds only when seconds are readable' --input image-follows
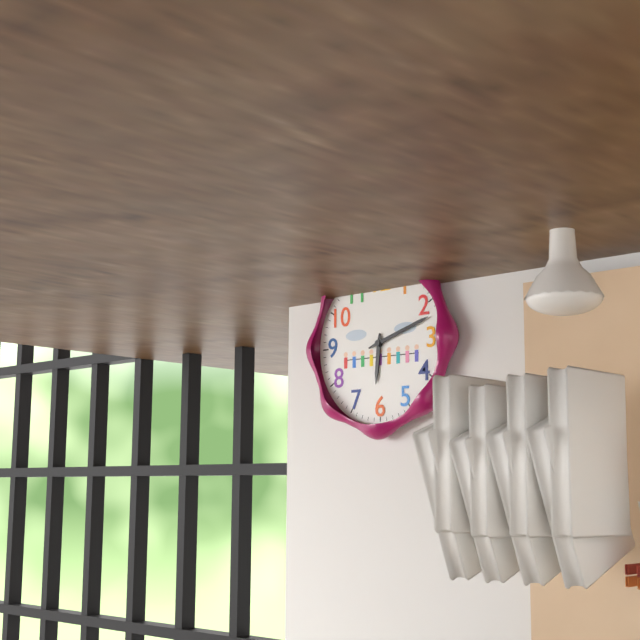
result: 6.12
